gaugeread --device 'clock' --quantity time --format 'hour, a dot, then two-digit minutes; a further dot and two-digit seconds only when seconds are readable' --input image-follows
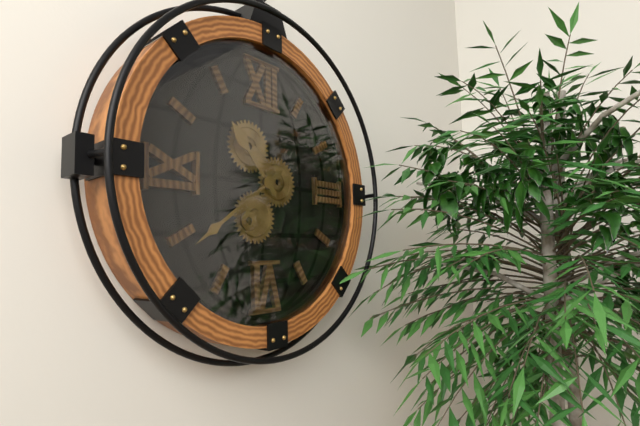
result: 10.39
